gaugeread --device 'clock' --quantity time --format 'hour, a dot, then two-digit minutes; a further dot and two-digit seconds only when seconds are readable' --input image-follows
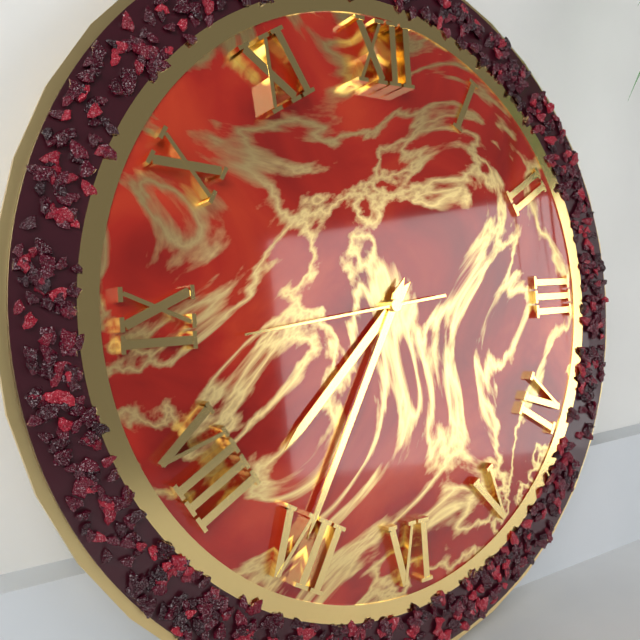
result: 7.35.44
